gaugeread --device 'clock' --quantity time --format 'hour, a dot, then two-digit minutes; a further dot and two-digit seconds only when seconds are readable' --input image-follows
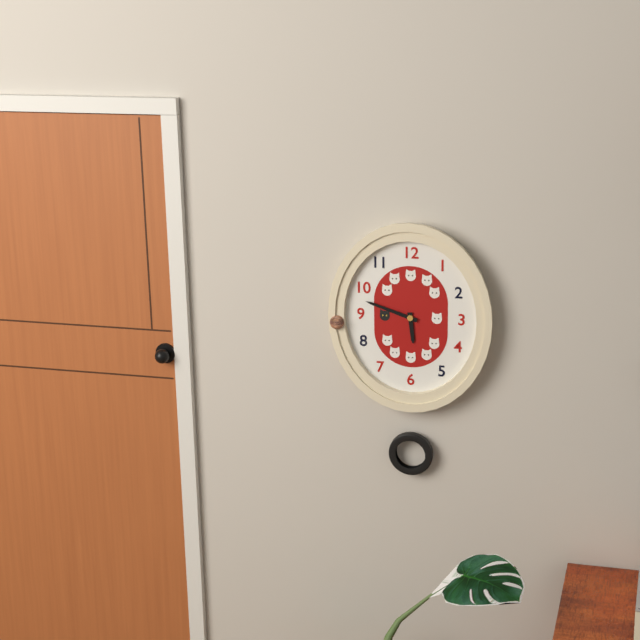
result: 5.48
